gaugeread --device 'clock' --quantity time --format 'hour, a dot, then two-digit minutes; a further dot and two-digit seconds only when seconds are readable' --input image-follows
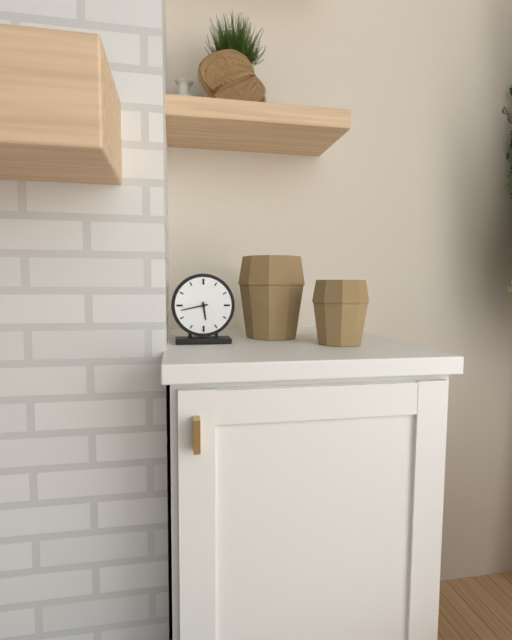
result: 5.43
